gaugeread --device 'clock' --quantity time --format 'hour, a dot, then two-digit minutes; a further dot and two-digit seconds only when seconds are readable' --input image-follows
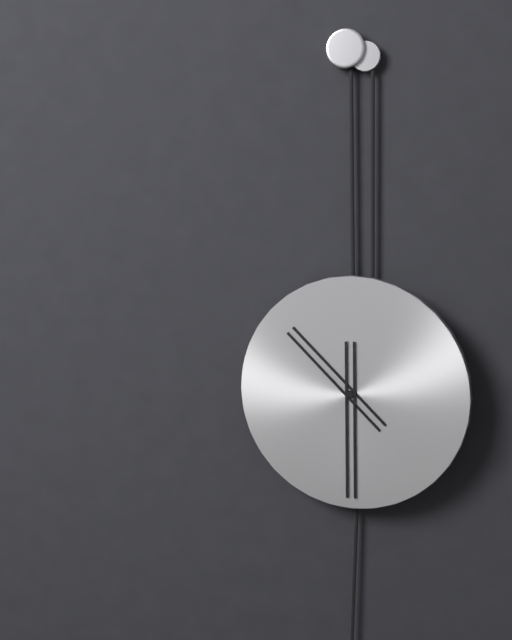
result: 10.30
